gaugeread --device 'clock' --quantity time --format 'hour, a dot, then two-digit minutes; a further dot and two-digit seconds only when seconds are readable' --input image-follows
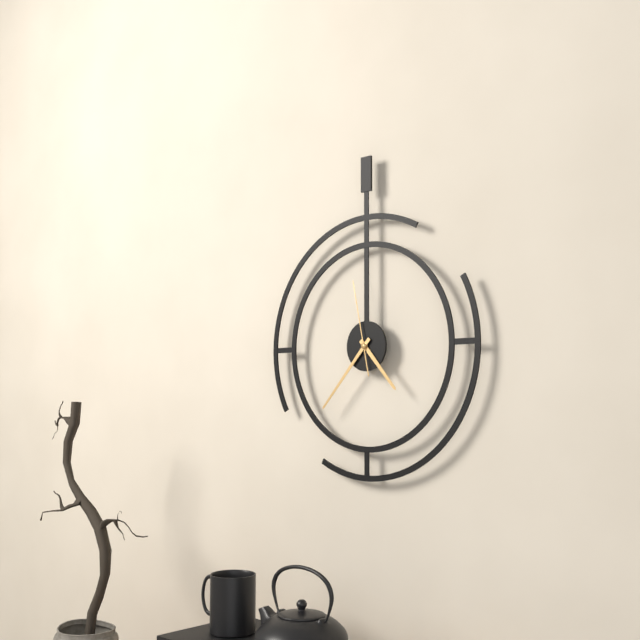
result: 4.37.58
